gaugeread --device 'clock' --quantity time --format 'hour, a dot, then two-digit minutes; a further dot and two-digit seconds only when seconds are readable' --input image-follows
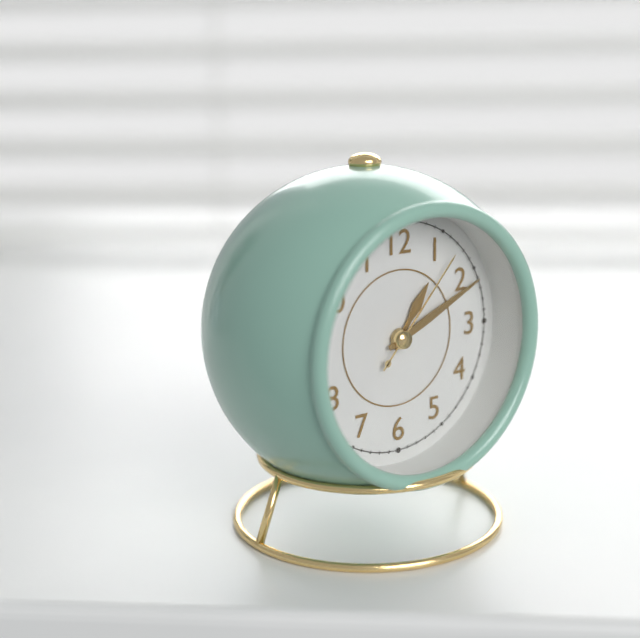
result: 1.11.07
